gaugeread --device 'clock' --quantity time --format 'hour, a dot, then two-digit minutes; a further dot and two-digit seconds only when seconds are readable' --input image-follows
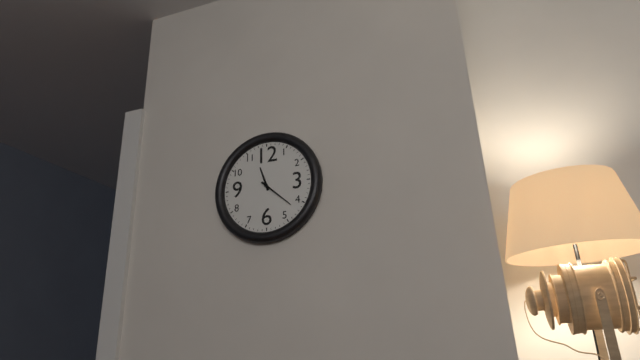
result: 11.22
